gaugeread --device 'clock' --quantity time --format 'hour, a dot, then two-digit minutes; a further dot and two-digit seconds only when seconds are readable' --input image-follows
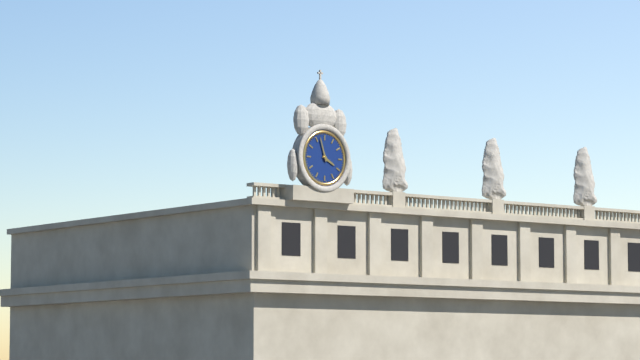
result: 3.57
